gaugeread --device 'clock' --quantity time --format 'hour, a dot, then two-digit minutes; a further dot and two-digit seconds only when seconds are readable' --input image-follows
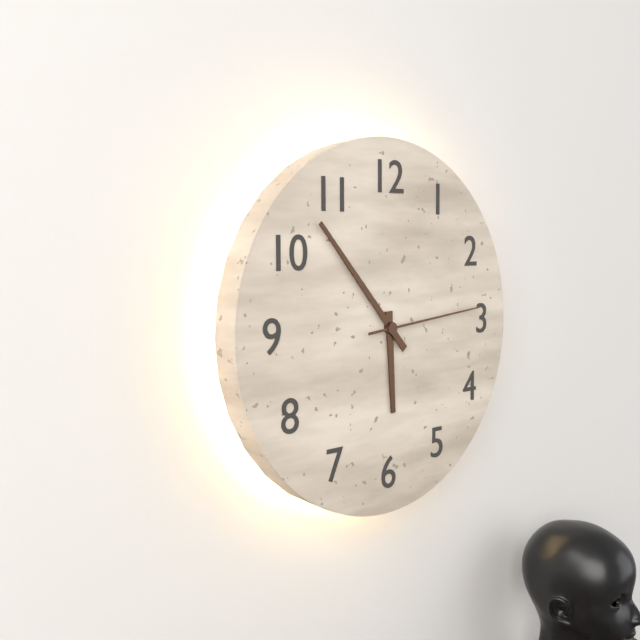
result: 5.53.14
